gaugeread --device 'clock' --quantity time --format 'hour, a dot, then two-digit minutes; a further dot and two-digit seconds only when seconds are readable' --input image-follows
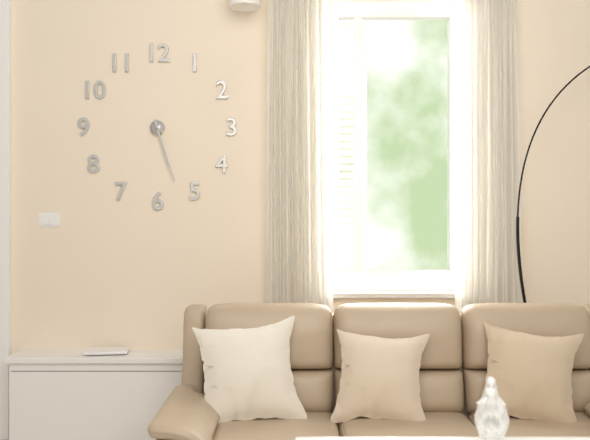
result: 5.27
